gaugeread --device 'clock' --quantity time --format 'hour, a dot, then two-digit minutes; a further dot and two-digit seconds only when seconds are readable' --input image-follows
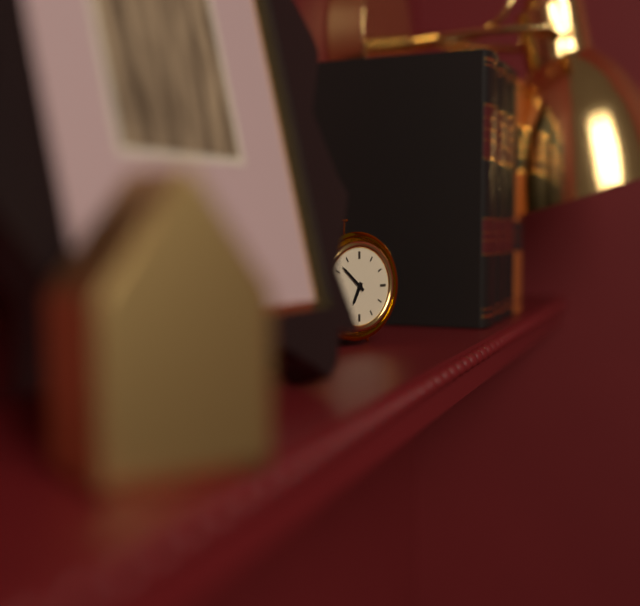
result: 6.52
